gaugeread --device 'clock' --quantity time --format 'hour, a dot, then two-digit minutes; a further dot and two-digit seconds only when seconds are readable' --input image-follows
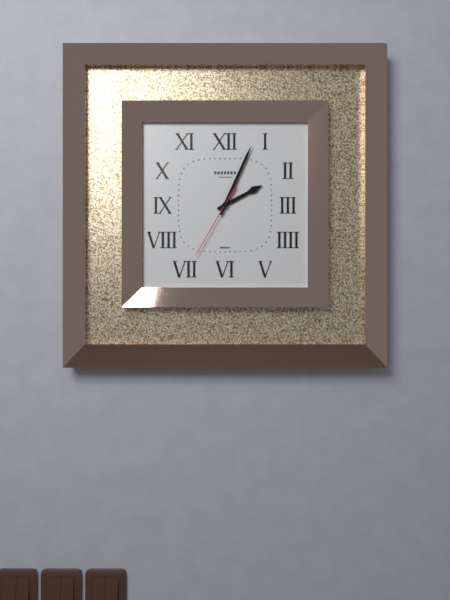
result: 2.04.35
